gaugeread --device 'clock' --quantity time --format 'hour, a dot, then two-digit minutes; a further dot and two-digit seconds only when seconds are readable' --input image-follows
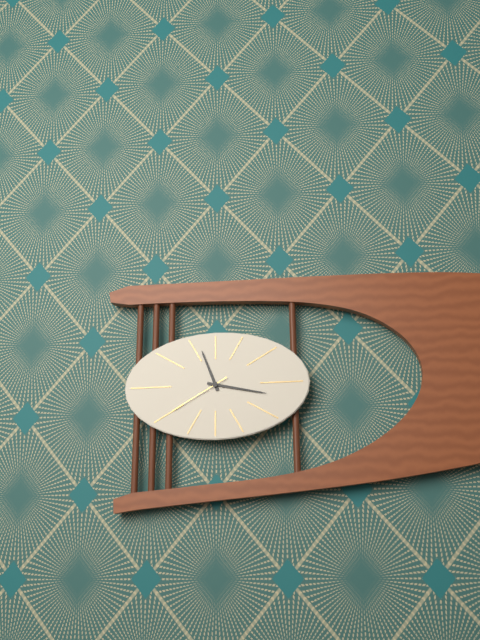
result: 11.17.40
